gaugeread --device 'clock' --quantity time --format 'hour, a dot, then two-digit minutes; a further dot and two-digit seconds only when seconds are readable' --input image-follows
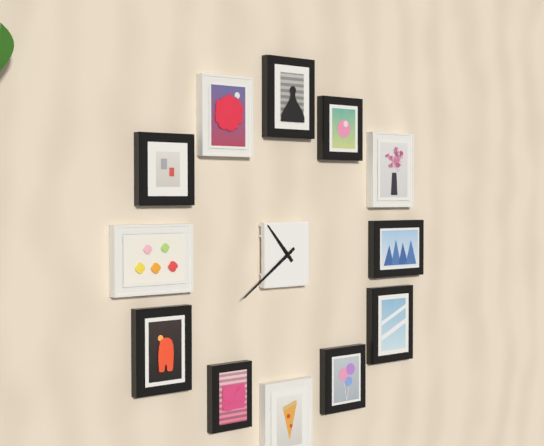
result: 10.39
